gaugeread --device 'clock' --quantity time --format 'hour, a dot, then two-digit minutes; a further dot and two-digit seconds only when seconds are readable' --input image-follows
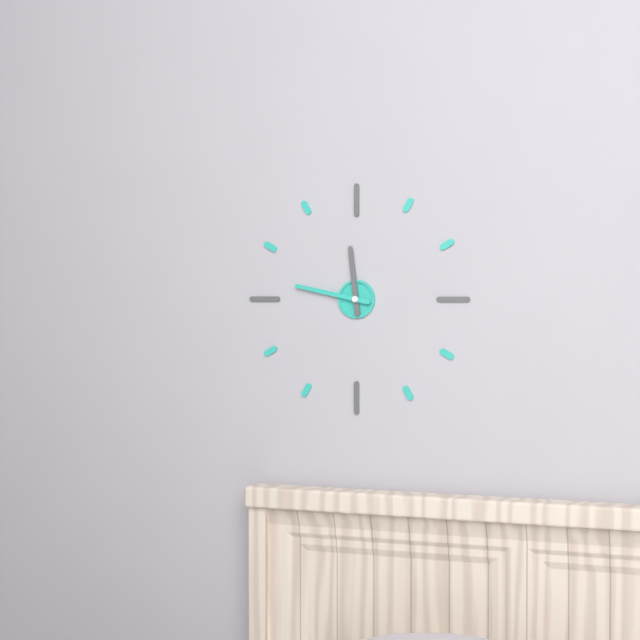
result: 11.47
